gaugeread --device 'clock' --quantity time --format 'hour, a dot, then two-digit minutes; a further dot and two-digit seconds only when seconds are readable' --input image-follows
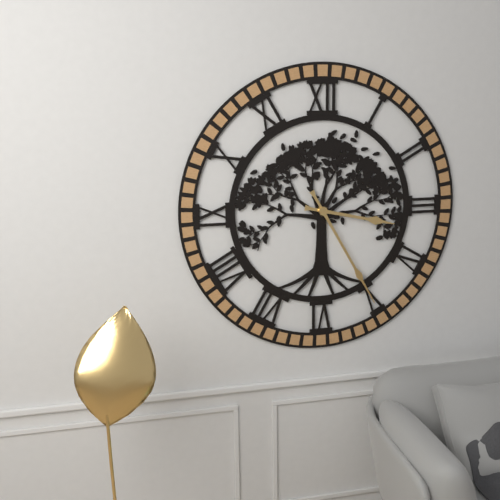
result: 3.25
